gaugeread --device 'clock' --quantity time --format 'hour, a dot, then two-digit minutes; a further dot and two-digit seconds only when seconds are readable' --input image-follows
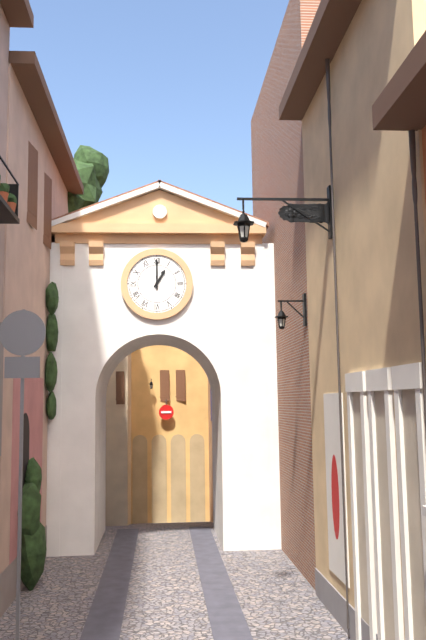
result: 1.00
